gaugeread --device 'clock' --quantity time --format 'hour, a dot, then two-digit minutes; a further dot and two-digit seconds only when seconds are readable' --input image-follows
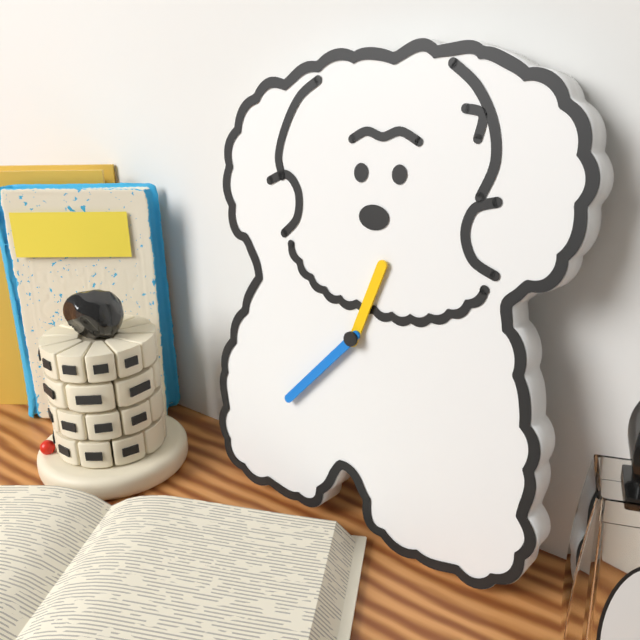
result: 12.37
